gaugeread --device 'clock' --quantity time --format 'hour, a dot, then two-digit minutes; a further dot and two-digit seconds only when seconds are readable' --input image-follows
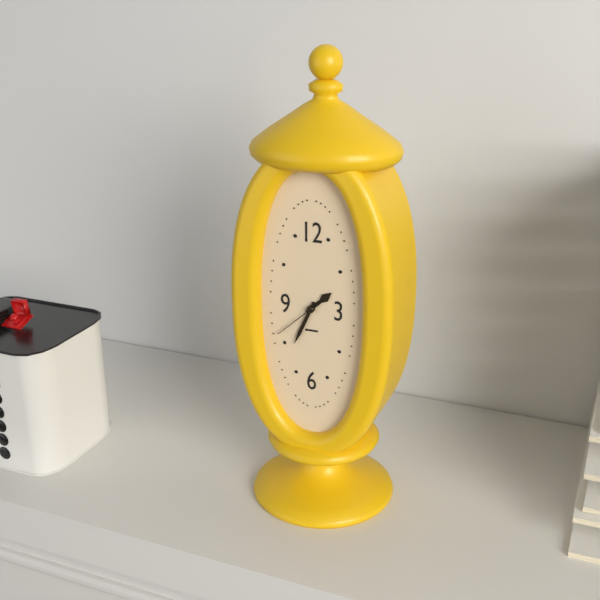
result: 1.34.38
